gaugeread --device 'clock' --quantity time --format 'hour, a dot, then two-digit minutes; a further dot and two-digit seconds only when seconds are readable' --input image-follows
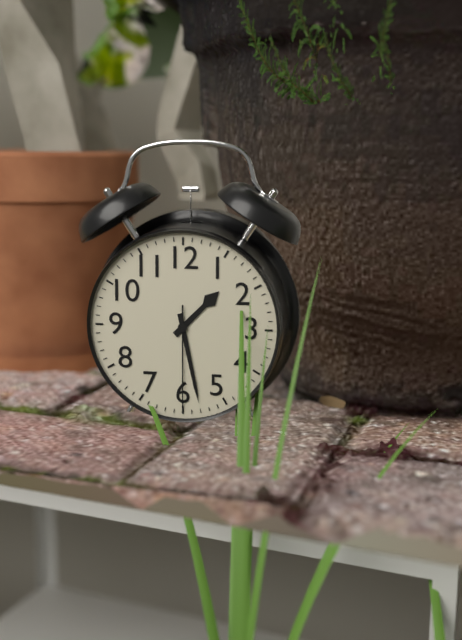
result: 1.28.30
